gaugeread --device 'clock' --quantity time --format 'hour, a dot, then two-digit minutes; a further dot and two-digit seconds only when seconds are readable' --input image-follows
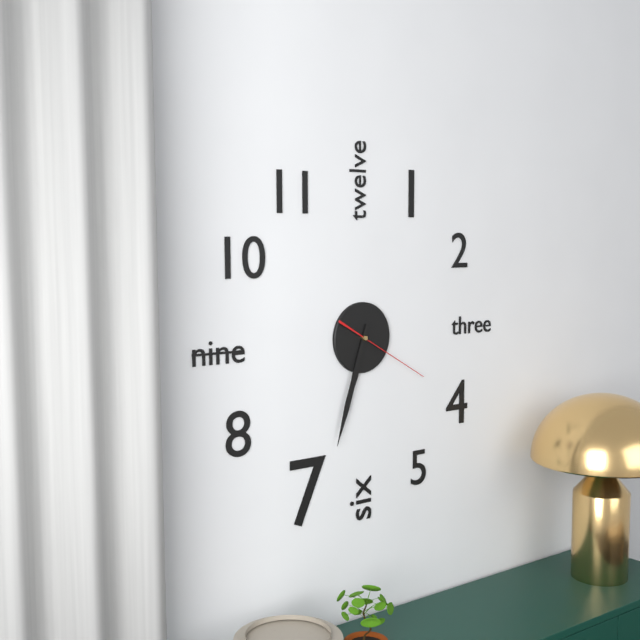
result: 6.33.20
